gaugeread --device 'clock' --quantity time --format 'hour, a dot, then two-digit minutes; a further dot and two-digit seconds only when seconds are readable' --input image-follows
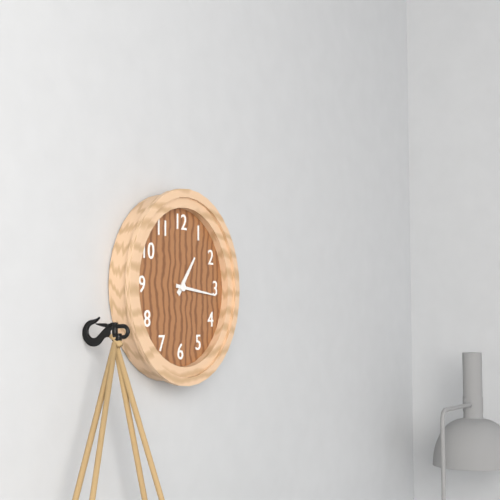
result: 1.16
